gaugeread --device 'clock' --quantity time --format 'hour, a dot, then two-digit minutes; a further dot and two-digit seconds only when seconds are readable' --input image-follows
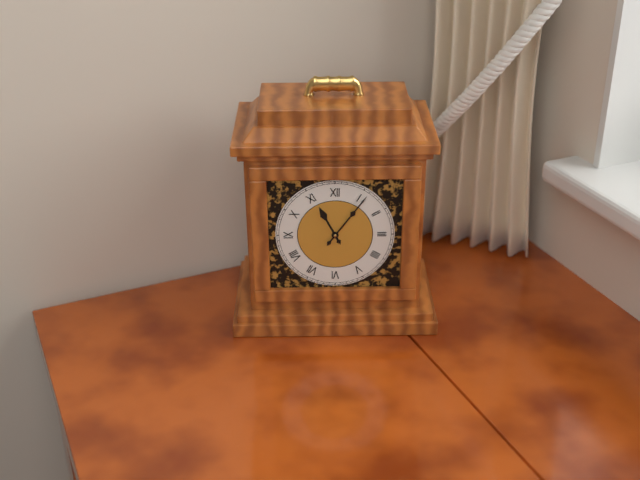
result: 11.06
